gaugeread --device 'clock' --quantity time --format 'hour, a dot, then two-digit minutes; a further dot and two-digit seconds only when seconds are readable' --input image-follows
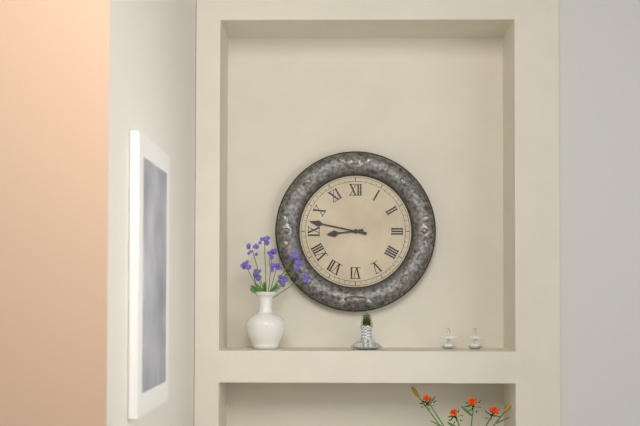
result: 8.47
